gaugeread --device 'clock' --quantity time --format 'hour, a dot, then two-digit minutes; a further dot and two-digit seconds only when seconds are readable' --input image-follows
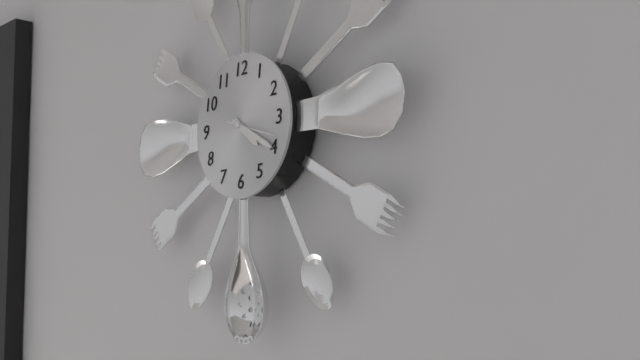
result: 4.20
